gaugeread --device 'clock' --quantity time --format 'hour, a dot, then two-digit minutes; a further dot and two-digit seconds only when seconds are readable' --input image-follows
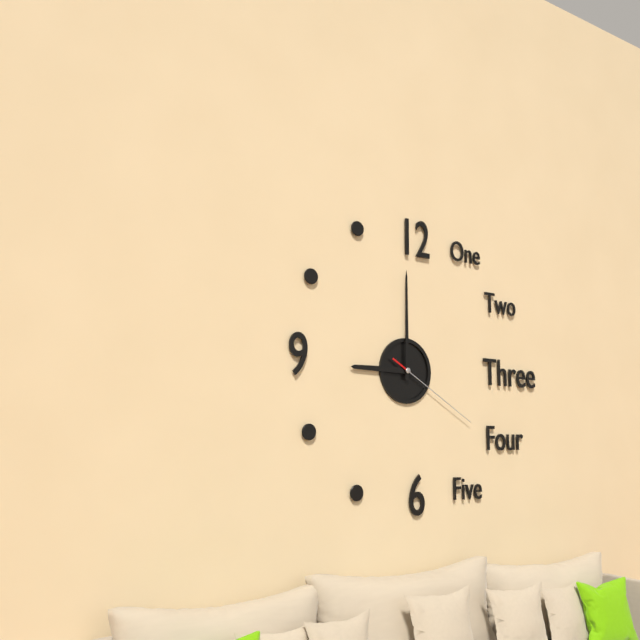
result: 9.00.20
